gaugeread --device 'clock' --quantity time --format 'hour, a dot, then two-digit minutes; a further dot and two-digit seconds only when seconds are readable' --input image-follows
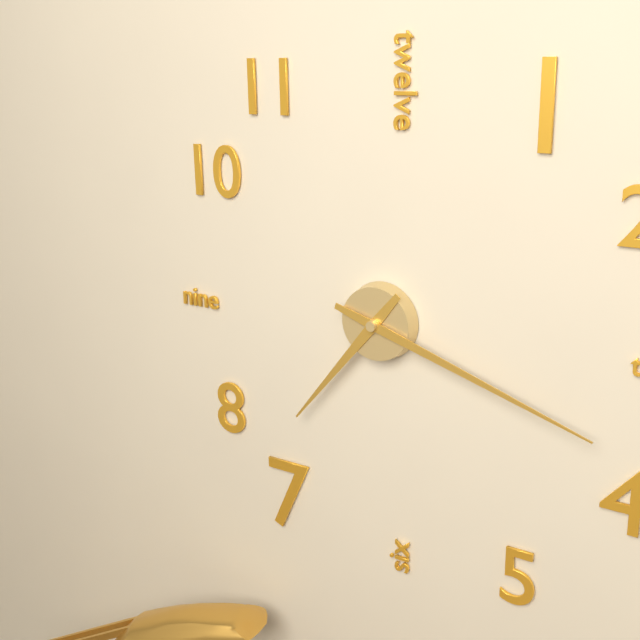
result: 7.18
